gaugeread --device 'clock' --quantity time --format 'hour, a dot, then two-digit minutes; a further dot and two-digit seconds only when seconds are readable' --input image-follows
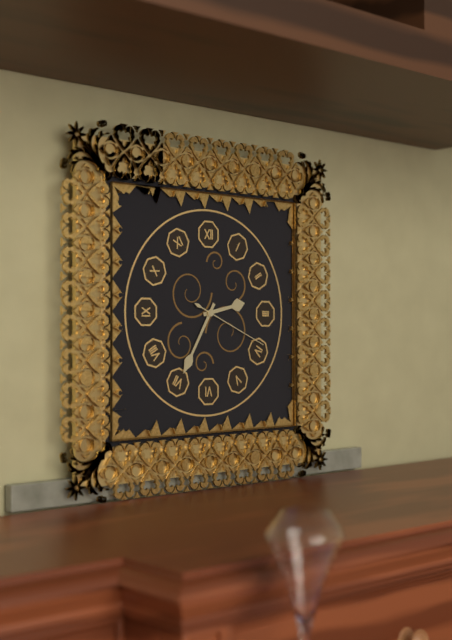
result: 2.35.19
